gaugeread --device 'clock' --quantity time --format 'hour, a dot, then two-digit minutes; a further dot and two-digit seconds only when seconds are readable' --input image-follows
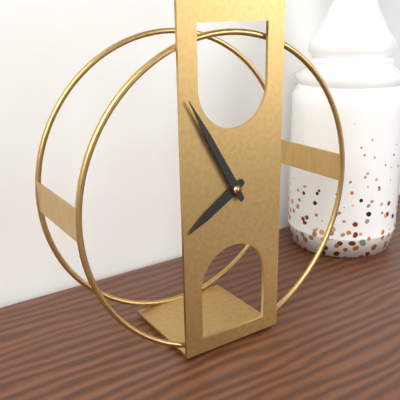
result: 7.55
